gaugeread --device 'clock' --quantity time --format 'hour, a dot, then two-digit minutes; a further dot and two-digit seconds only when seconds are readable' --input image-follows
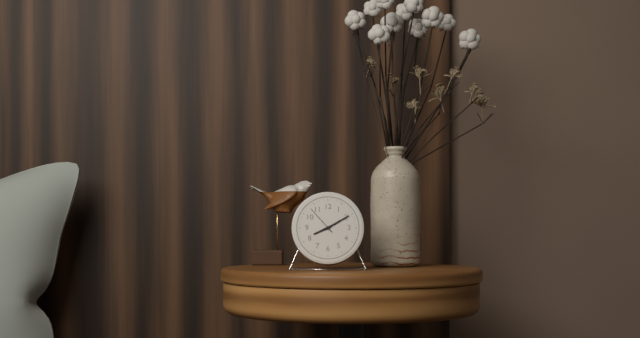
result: 8.10
